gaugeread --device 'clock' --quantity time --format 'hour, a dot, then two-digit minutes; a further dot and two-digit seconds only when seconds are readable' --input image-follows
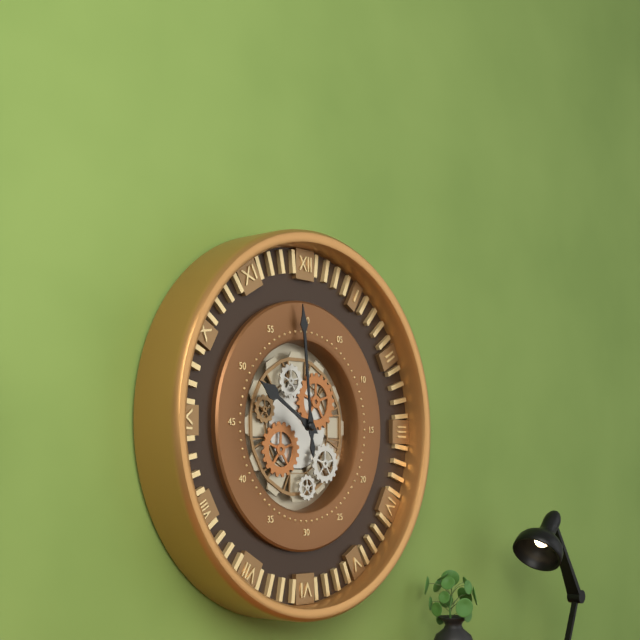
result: 9.59
